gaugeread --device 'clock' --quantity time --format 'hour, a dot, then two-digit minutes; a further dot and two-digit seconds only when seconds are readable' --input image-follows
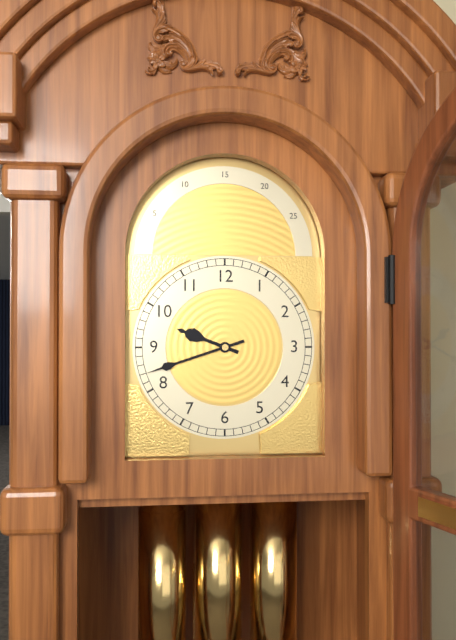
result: 9.42
